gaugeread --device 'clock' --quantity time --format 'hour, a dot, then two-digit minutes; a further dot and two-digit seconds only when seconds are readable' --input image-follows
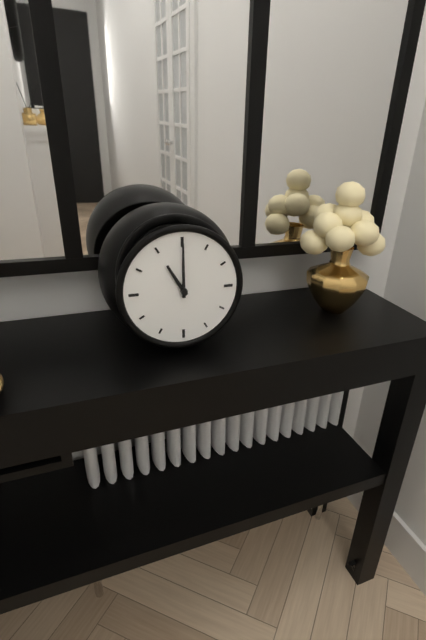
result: 11.00
